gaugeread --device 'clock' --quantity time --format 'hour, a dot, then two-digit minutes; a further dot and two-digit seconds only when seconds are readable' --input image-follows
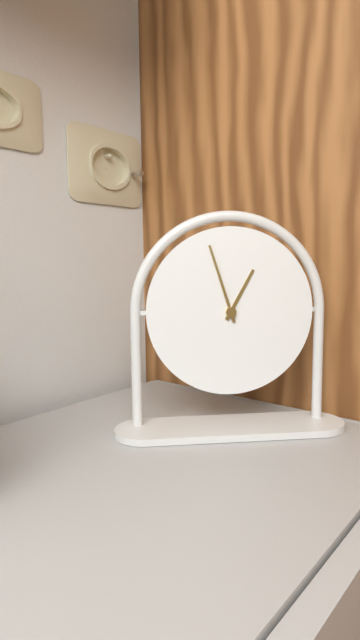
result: 12.57
